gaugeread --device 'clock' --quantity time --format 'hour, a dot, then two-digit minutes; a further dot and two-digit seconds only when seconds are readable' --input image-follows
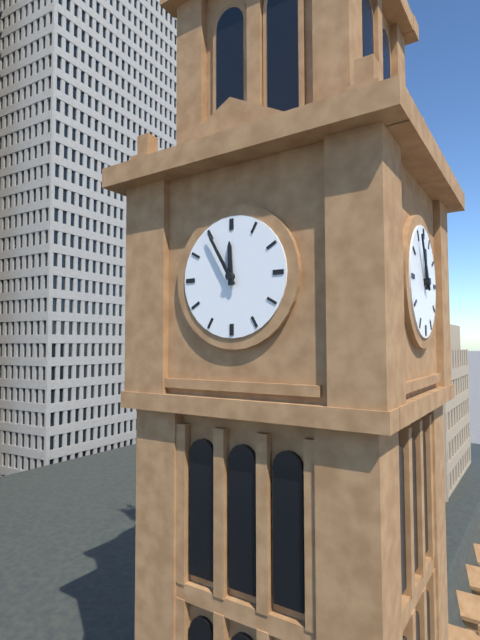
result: 11.55
